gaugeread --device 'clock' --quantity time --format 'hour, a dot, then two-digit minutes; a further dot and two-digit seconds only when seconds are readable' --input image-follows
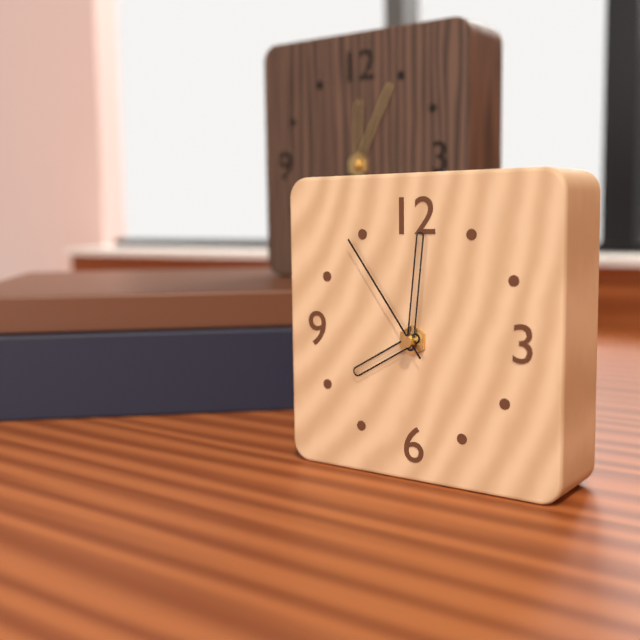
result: 8.01.54
